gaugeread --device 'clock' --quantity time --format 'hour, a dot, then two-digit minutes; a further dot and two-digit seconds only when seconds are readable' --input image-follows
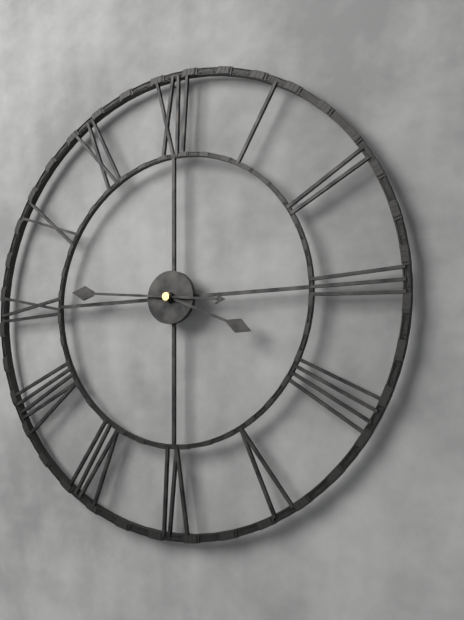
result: 3.46
